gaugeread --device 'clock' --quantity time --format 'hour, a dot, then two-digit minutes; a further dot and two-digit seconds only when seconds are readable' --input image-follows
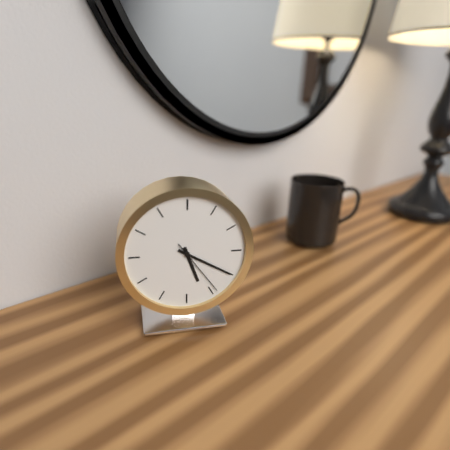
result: 5.20.24
